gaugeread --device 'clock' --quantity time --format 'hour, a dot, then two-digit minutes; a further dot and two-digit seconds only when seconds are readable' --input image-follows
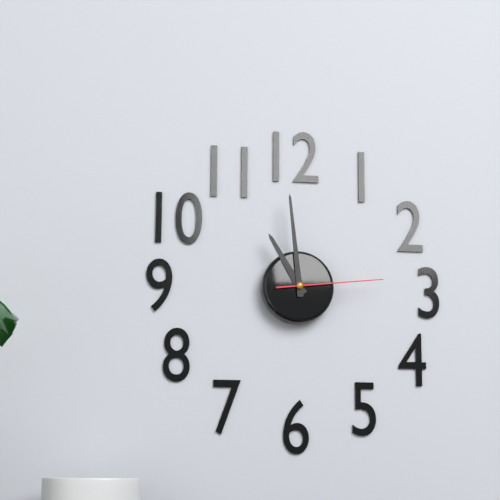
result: 10.59.14
